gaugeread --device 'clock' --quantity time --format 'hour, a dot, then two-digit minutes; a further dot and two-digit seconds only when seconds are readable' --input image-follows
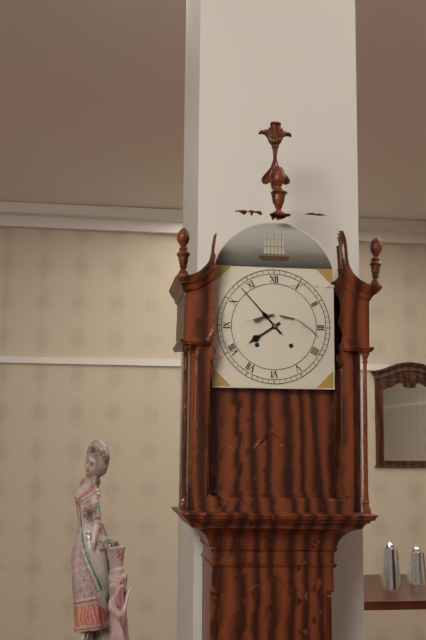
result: 7.53
